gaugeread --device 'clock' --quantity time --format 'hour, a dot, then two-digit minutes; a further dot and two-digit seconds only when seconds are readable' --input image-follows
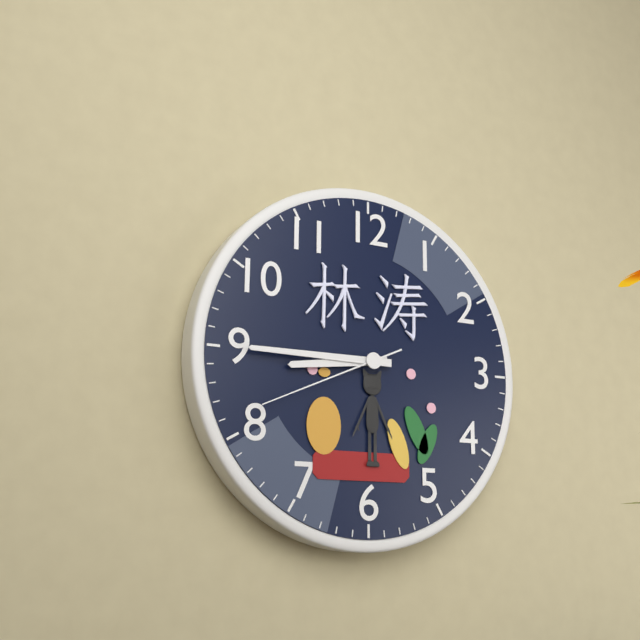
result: 8.45.41
